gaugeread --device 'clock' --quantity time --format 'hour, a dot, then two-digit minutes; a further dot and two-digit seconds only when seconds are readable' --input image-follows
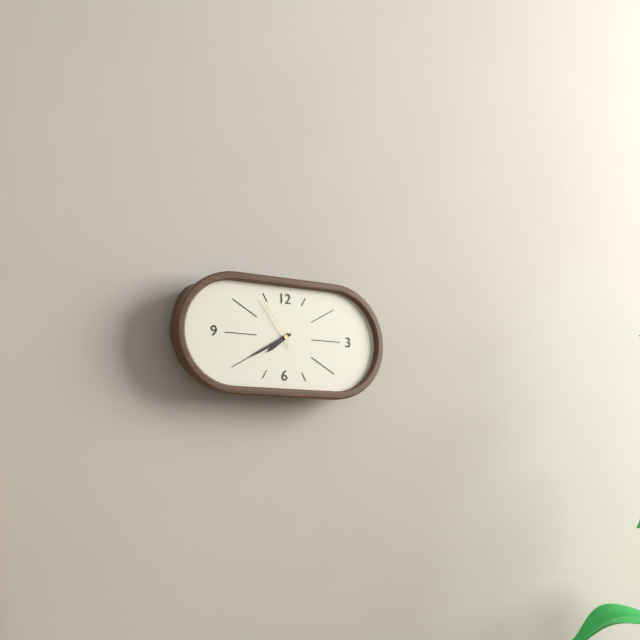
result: 7.40.54
